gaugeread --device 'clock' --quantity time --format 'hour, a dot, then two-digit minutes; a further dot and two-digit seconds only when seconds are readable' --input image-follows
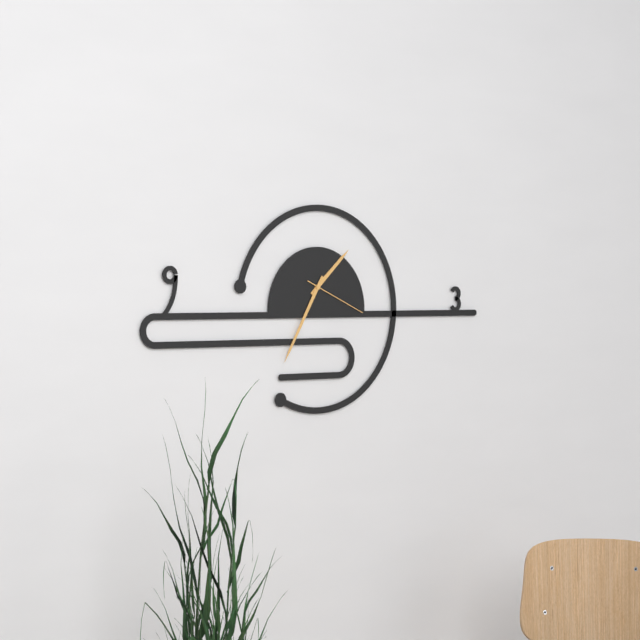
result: 1.35.19
